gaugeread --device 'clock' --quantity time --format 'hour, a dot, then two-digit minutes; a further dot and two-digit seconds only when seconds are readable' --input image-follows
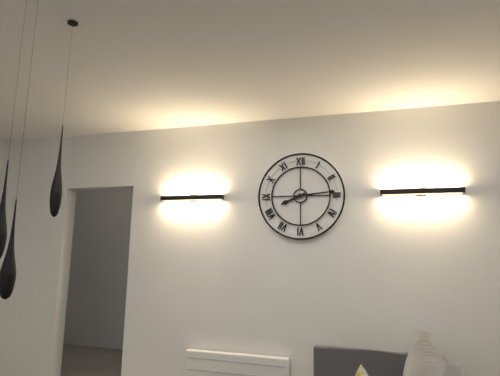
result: 8.14
